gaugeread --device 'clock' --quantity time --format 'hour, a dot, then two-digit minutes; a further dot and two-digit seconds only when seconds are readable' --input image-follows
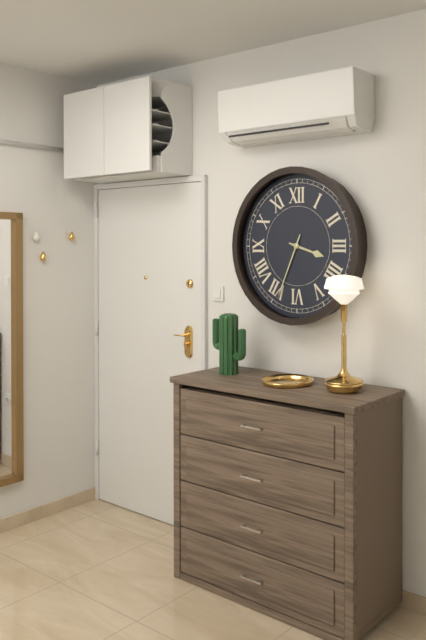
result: 3.34
